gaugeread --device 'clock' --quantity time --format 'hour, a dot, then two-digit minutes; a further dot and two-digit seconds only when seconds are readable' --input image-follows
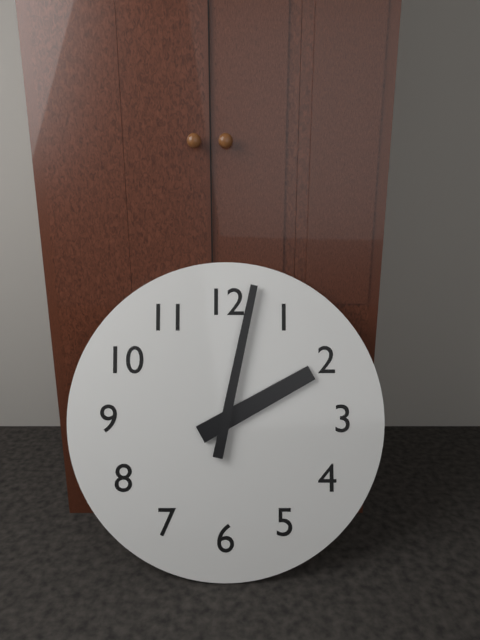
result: 2.02
